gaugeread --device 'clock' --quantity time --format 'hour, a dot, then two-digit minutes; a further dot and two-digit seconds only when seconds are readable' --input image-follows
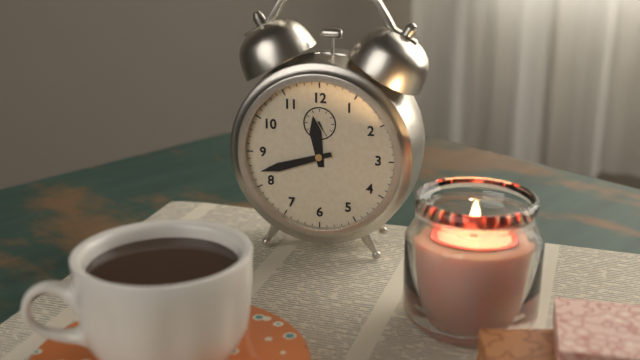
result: 11.42
